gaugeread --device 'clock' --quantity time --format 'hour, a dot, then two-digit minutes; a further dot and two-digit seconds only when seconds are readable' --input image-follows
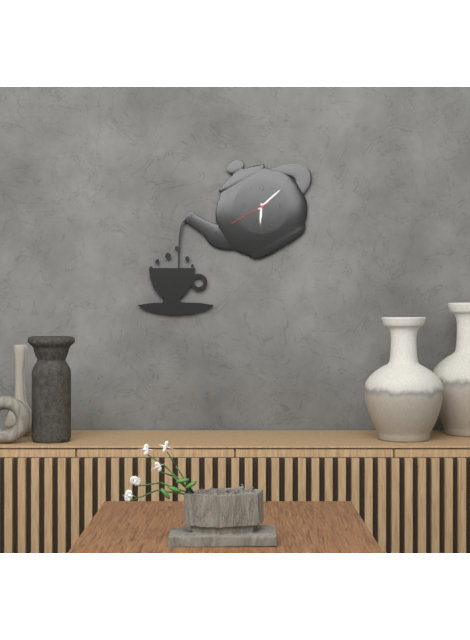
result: 6.08
